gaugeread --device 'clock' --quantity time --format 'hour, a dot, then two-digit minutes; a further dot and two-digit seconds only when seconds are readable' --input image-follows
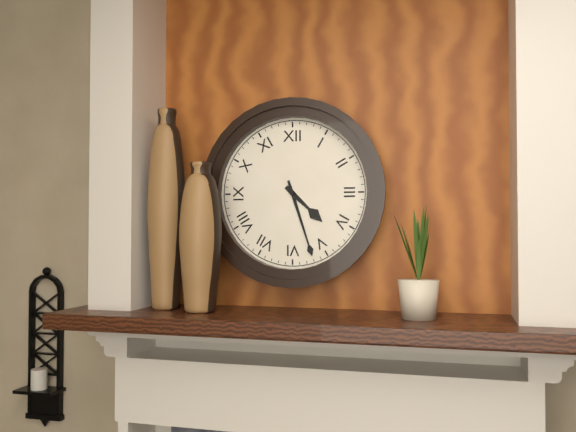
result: 4.27
